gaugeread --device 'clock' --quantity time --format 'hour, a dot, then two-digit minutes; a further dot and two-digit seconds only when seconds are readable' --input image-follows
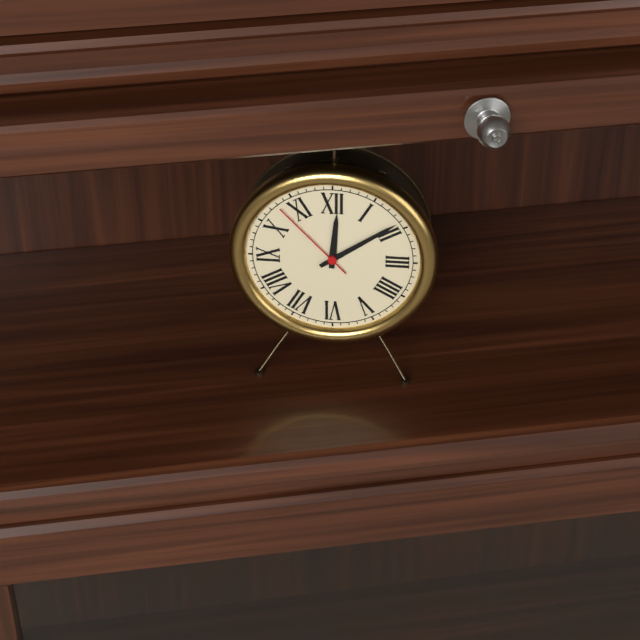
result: 12.09.53
